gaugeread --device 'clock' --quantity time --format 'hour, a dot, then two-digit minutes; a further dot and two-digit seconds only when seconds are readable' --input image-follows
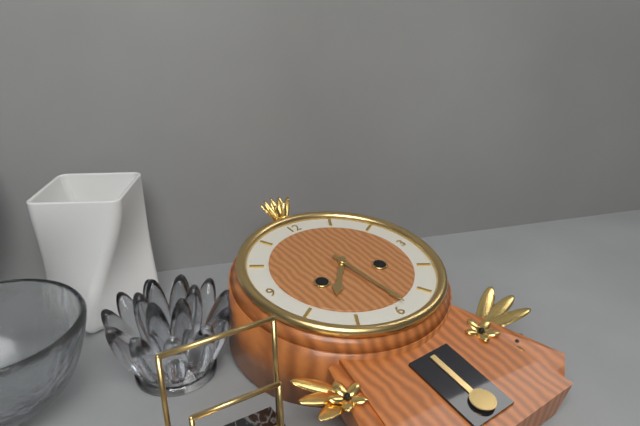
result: 7.29
